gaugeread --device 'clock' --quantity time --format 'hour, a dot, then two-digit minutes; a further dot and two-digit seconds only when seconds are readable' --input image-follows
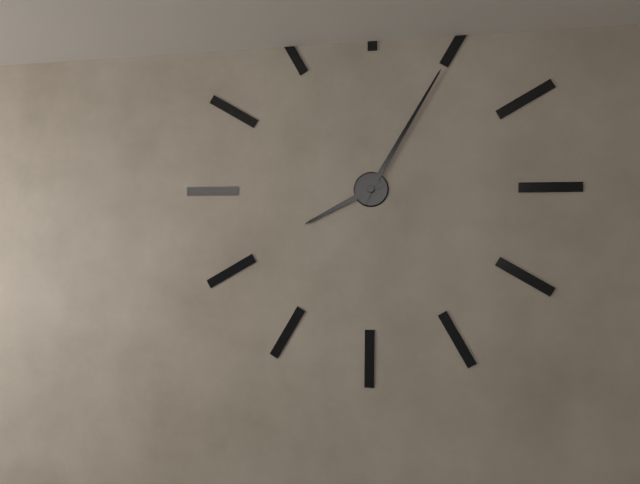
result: 8.05
